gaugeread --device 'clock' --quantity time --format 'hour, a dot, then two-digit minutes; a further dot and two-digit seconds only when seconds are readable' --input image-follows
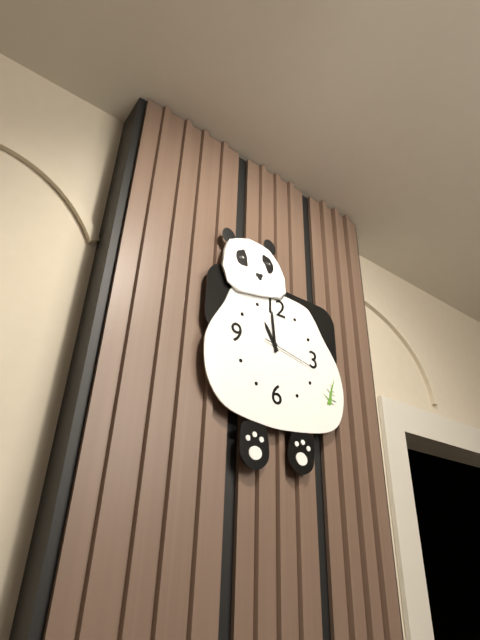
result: 10.59.17
